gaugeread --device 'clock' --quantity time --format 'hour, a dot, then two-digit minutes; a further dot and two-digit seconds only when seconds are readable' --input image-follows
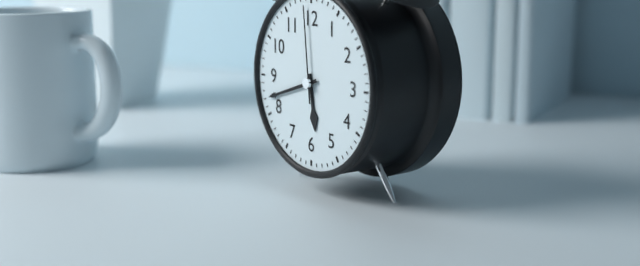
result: 5.42.59
